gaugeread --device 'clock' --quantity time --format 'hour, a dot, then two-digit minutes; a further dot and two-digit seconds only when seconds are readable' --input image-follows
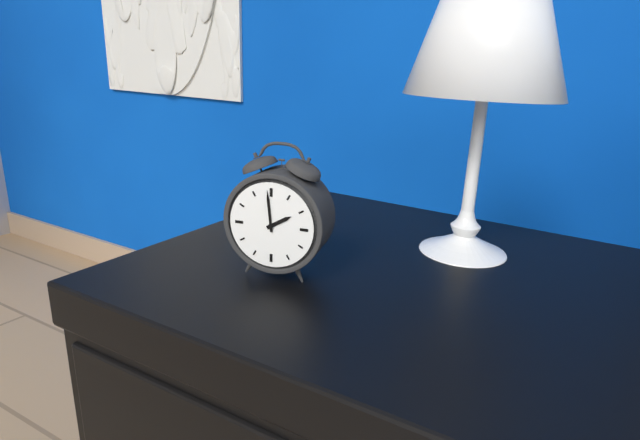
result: 1.59
